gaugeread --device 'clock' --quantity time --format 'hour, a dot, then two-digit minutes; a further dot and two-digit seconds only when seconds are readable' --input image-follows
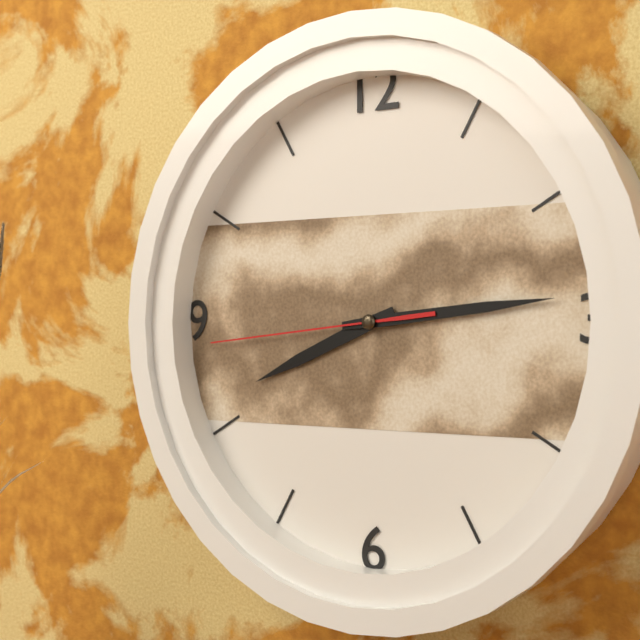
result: 8.14.44
